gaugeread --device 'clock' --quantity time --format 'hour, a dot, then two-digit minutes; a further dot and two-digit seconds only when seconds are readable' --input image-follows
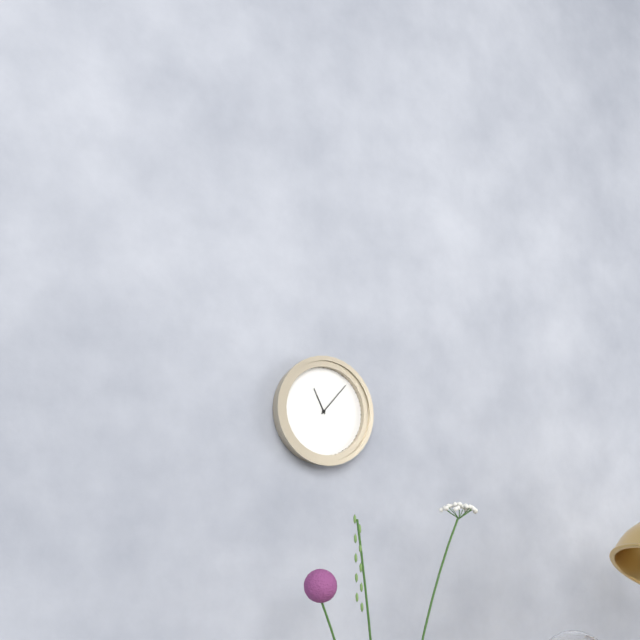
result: 11.07
